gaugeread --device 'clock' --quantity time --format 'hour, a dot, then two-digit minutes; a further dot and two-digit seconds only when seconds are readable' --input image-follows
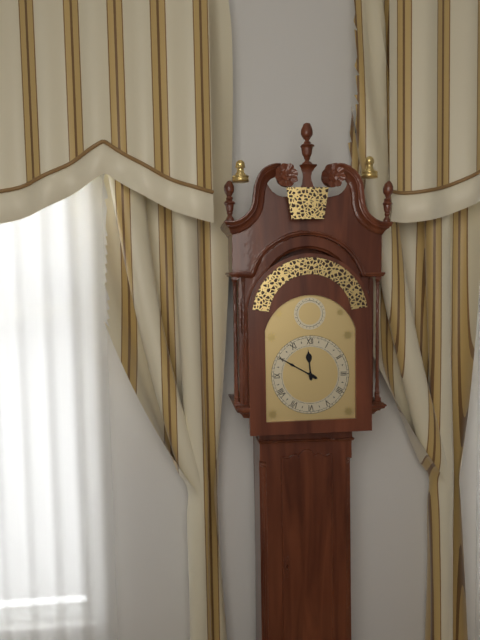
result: 11.50
